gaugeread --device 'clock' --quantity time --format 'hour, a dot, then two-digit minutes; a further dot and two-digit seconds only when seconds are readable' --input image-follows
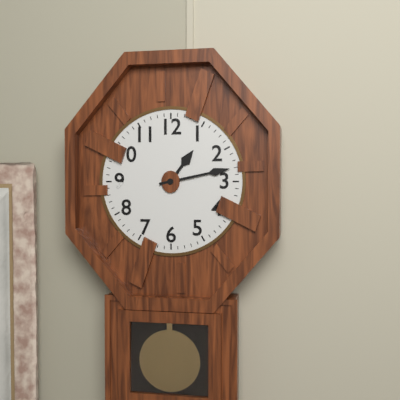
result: 1.13
